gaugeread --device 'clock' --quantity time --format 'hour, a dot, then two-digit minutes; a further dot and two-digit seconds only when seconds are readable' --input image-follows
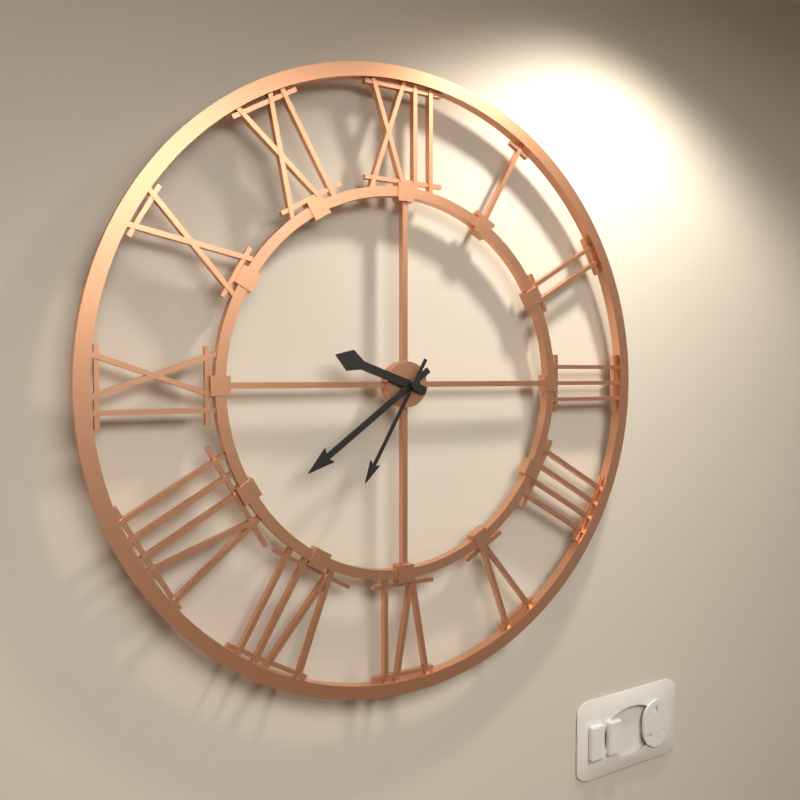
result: 9.39.35
